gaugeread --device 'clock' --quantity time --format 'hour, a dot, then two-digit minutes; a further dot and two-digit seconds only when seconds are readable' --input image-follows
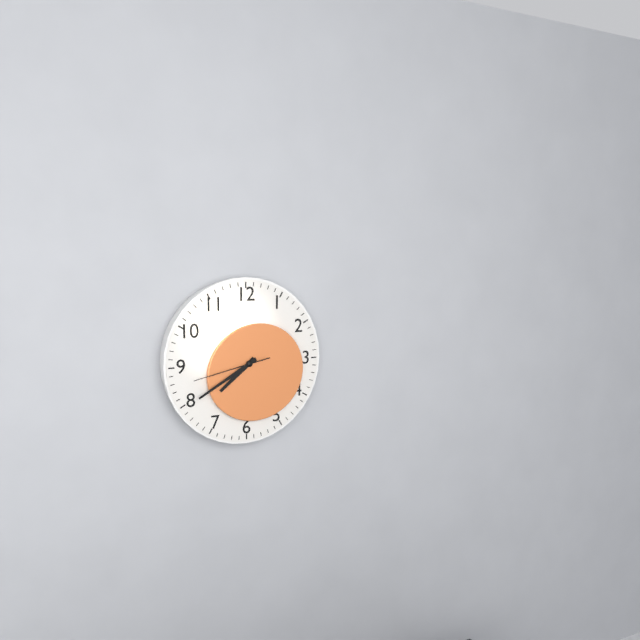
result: 7.40.43
